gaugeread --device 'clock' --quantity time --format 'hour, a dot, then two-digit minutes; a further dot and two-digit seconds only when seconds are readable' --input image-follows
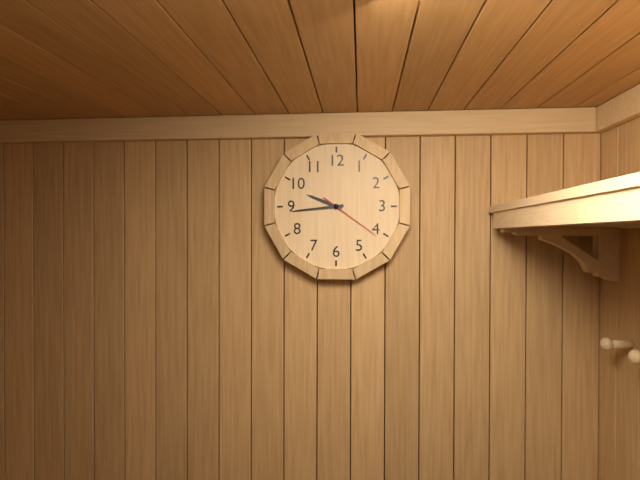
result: 9.44.21
